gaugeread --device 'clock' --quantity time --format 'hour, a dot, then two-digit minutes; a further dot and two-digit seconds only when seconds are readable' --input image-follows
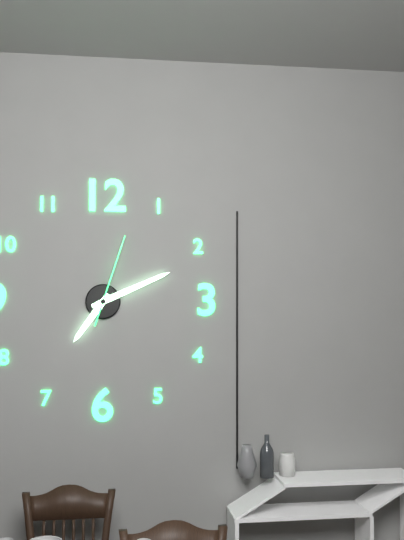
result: 7.11.03
